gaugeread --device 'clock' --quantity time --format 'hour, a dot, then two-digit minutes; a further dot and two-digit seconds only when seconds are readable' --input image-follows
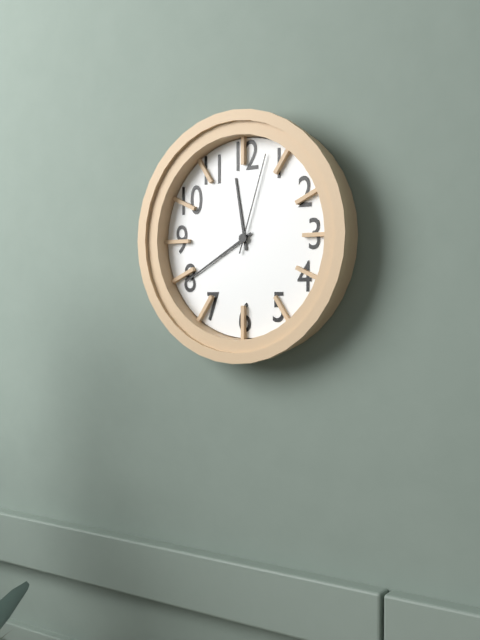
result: 11.40.03
